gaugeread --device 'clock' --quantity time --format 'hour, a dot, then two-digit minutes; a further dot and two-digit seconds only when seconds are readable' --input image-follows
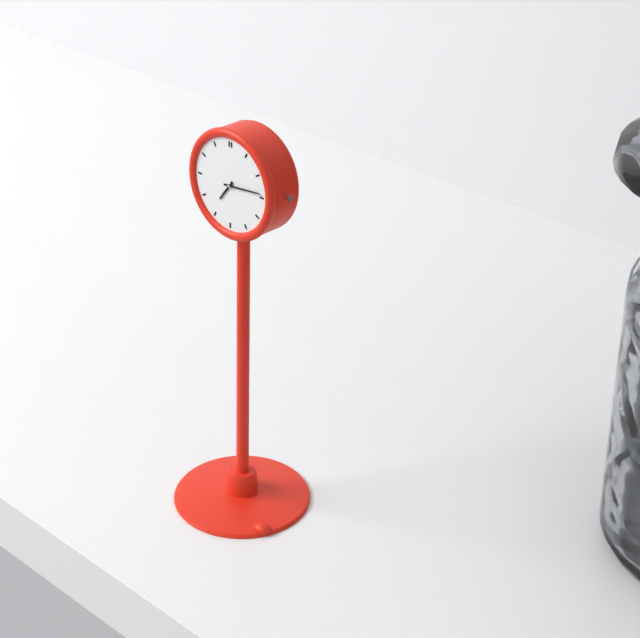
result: 7.14
